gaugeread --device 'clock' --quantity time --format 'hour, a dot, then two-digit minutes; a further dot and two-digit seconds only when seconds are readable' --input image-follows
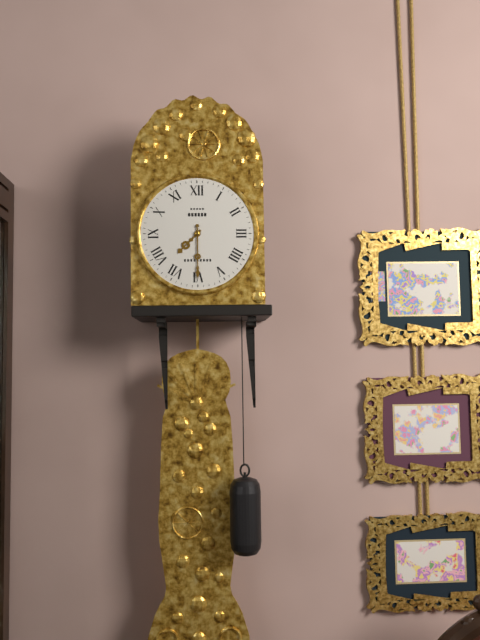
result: 7.30
